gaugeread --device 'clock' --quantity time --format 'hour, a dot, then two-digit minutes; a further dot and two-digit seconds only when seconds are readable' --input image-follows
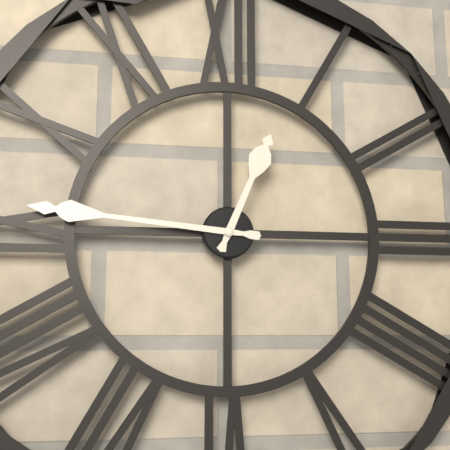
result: 12.46
